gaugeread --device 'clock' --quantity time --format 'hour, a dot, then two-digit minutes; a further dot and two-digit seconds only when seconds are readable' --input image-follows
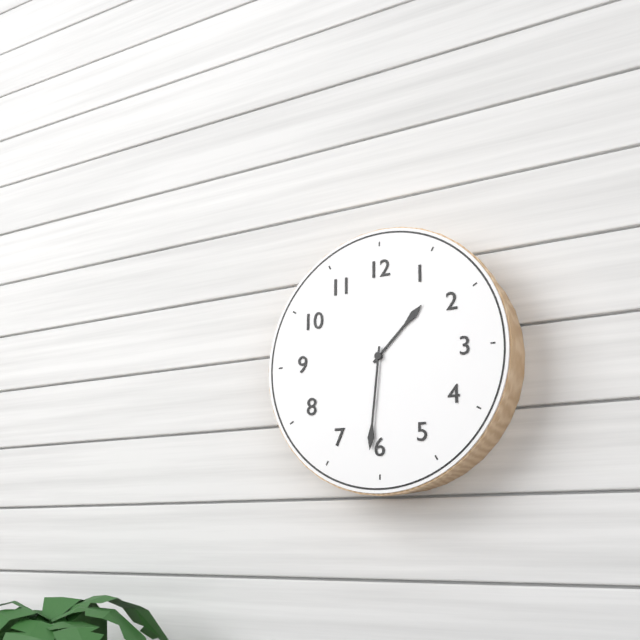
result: 1.31
